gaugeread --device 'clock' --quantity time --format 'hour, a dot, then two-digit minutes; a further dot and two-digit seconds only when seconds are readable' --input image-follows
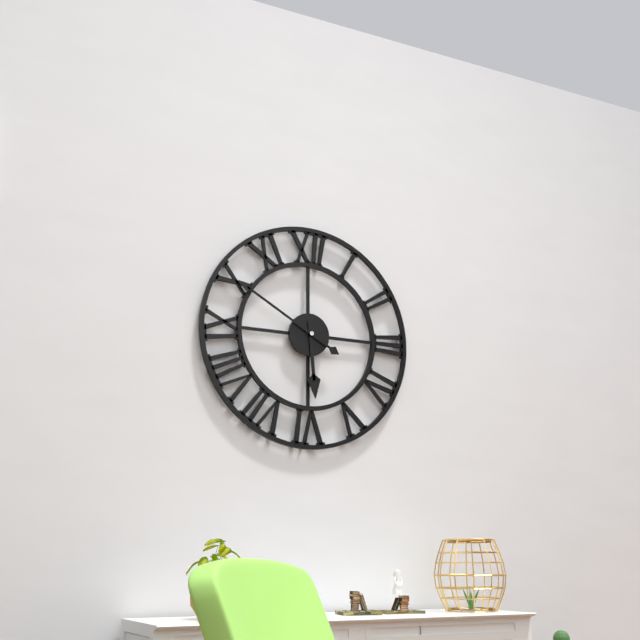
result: 5.50
